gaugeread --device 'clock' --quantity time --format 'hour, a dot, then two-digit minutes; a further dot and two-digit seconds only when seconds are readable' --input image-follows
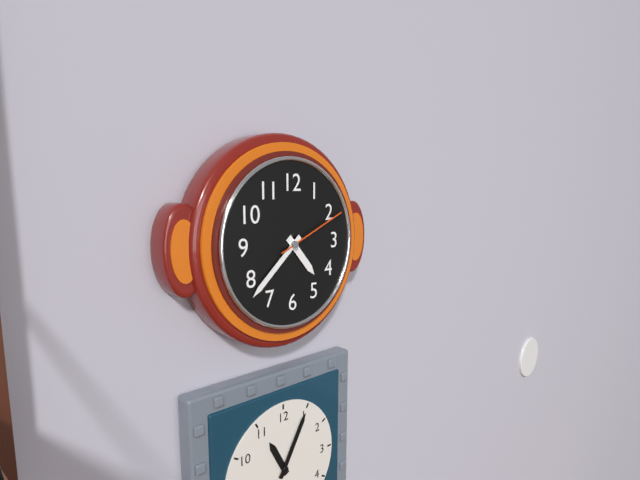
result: 4.38.11
